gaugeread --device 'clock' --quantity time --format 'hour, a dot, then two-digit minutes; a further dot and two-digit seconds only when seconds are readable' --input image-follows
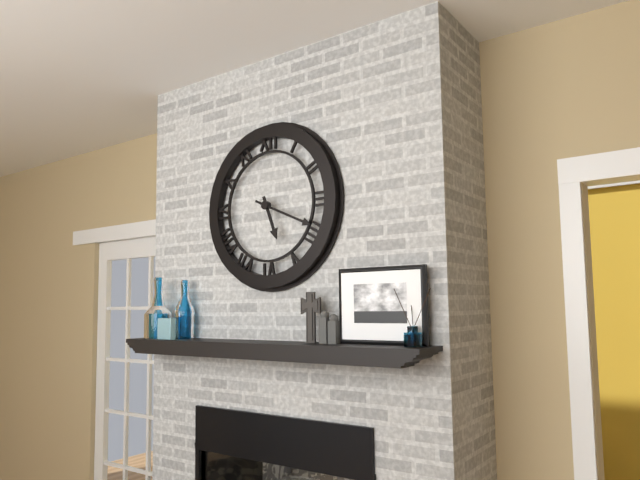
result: 5.19
